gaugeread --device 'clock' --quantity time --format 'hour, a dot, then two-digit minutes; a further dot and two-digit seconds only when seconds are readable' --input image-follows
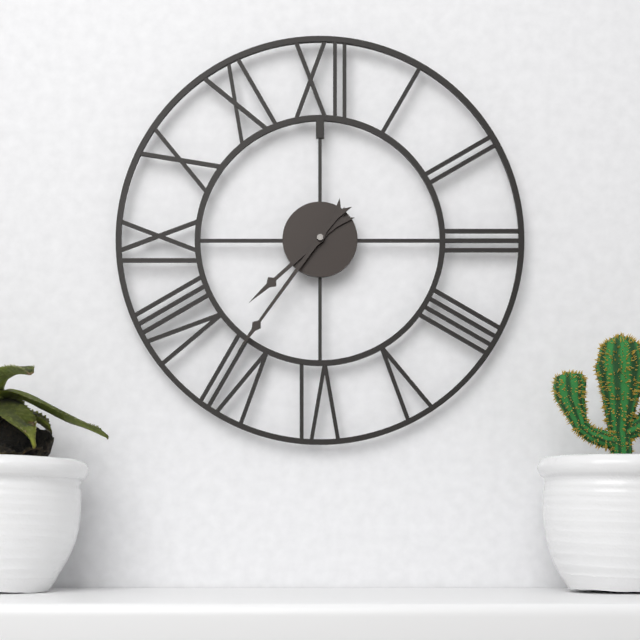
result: 7.36
